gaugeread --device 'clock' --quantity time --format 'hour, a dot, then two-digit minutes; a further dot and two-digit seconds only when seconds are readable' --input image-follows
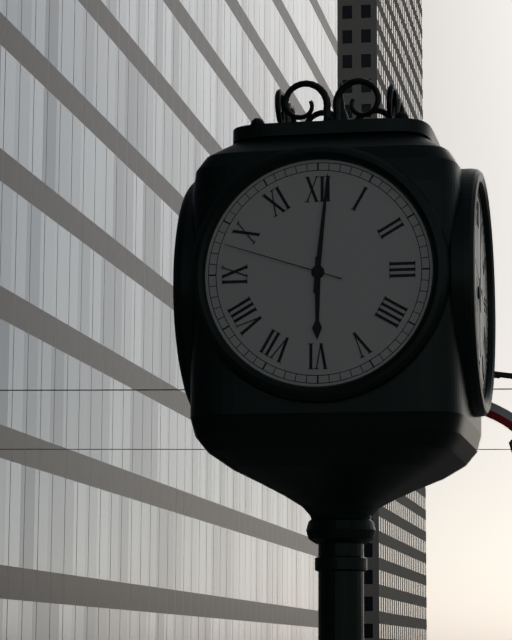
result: 6.01.48
